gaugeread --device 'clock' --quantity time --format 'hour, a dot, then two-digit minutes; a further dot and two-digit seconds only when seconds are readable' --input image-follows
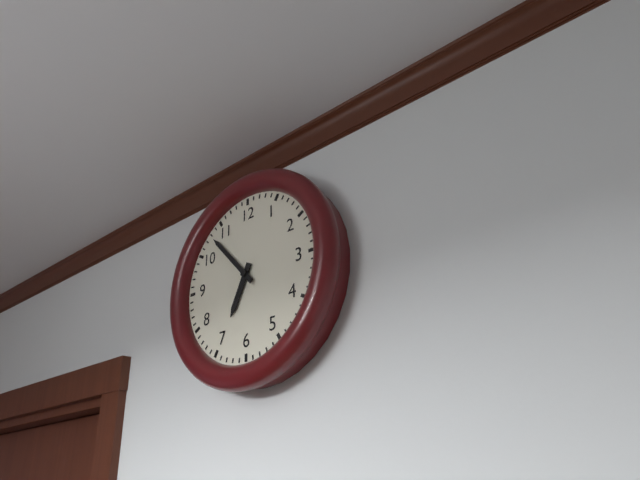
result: 6.53
